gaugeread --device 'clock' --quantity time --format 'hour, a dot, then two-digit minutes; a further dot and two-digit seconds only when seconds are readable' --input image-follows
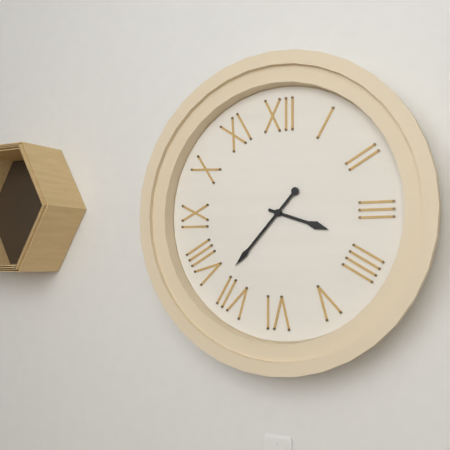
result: 3.37
